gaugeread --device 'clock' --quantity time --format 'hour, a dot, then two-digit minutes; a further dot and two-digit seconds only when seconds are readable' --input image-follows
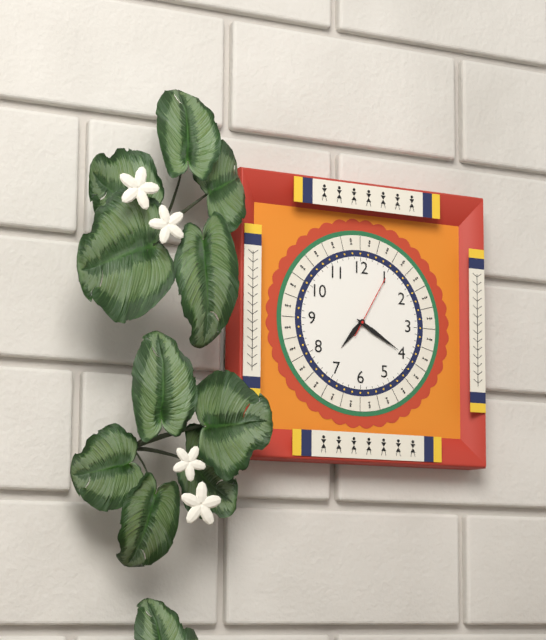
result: 7.20.05
